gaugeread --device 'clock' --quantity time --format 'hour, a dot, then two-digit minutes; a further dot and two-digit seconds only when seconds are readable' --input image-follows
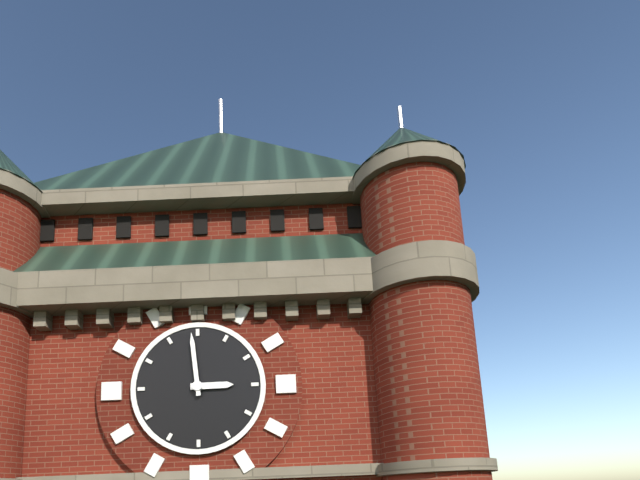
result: 2.59
